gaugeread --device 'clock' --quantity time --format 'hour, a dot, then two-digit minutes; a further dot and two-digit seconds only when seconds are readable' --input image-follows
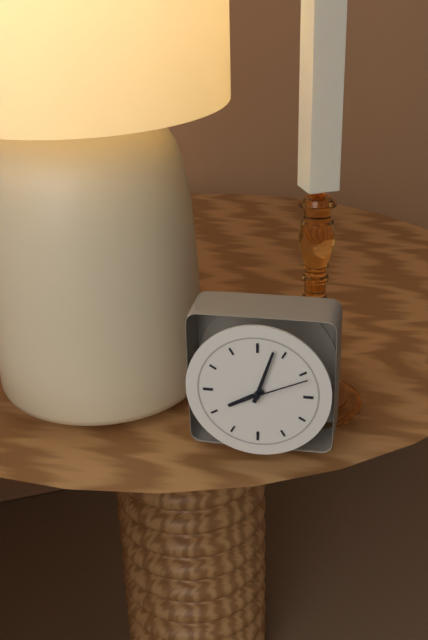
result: 8.03.11
